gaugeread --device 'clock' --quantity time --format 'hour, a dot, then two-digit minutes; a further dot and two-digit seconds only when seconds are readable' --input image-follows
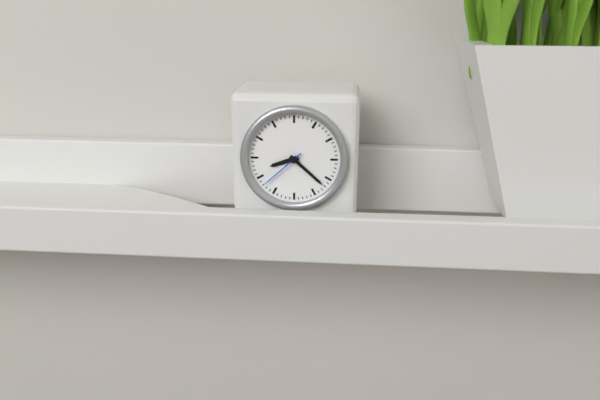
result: 8.22.38
